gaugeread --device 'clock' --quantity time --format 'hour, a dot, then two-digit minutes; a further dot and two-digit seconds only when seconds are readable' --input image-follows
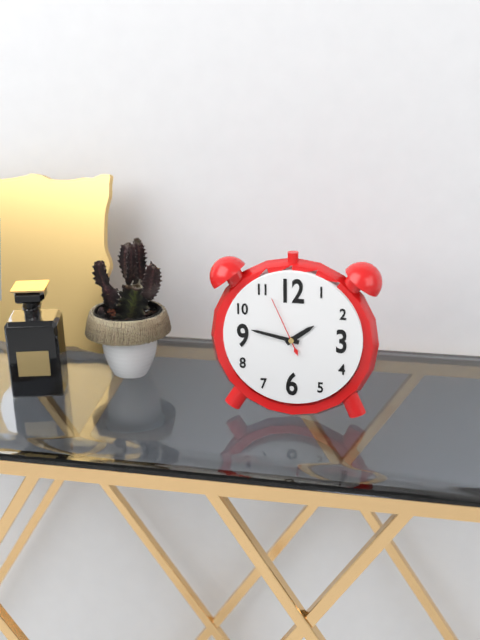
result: 1.47.56
